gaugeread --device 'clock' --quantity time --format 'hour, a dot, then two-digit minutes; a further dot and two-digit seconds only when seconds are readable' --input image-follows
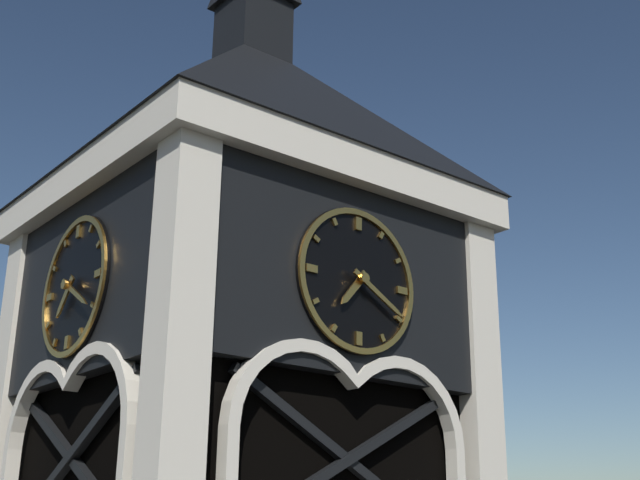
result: 7.20
